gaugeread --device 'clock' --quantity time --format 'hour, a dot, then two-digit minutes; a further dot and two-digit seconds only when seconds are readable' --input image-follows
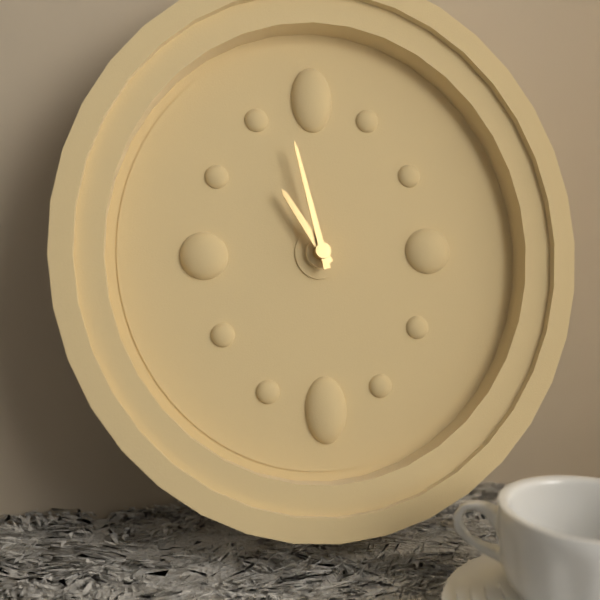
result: 10.58
